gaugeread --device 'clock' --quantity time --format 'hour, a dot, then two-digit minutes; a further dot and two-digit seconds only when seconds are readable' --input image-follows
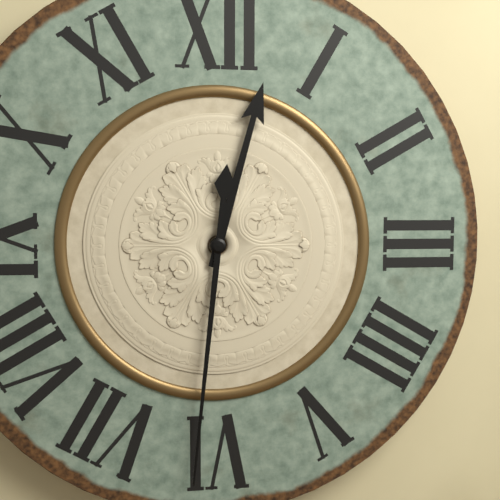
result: 12.31
